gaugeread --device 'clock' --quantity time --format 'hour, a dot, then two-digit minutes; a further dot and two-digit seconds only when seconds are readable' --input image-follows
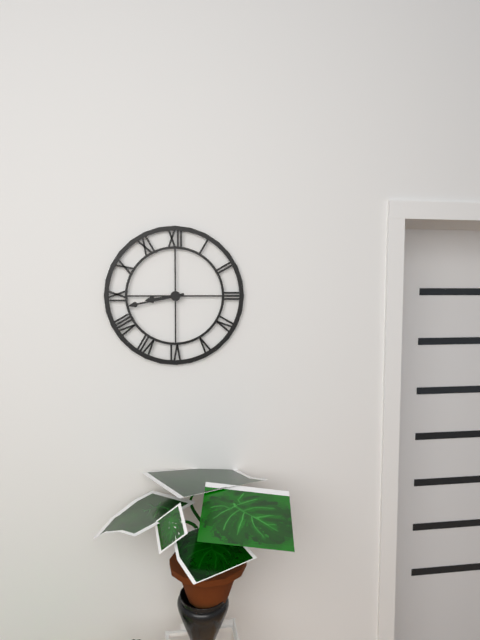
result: 8.43
